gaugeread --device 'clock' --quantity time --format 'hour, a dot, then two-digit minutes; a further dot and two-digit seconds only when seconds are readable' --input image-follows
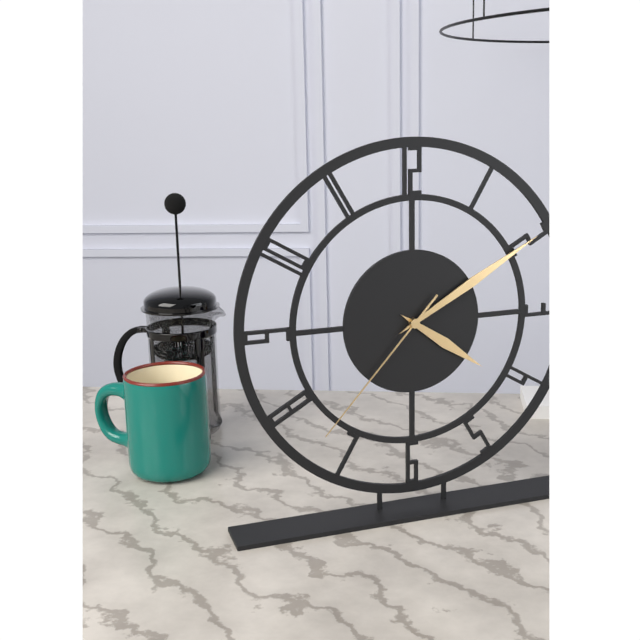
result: 4.10.37
